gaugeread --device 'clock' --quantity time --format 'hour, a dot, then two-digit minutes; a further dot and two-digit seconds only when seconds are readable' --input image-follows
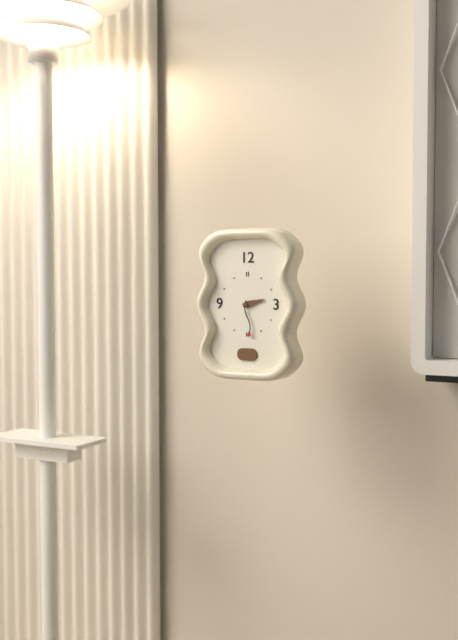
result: 2.29
